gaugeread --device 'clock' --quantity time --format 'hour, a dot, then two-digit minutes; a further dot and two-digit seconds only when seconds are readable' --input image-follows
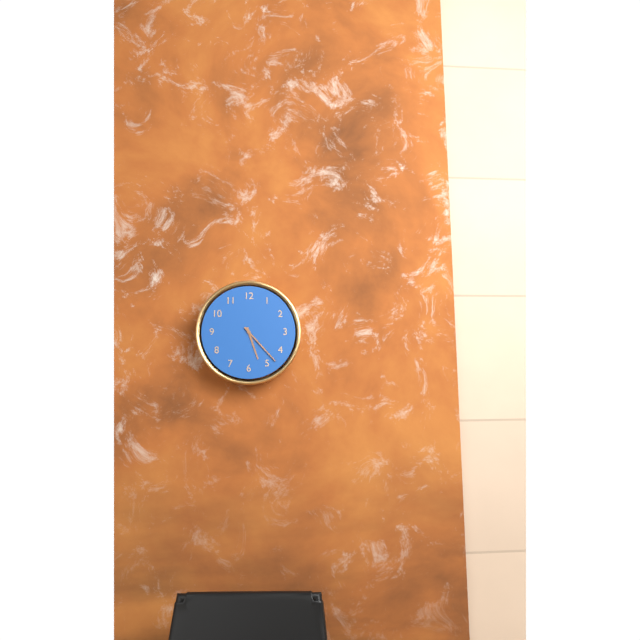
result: 5.23
